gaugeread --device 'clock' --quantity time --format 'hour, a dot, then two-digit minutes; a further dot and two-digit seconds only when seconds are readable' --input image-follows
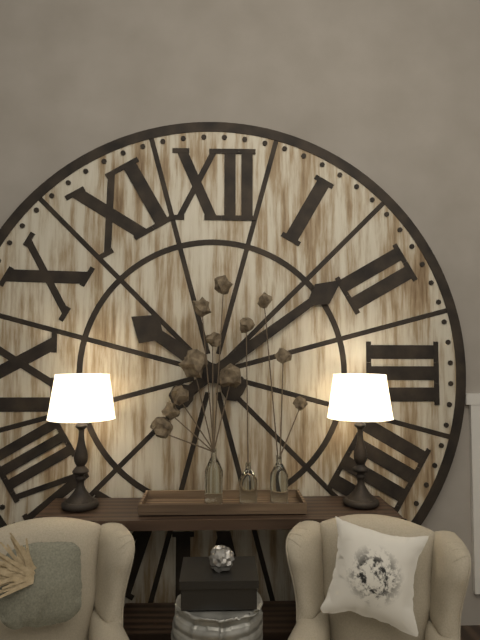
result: 10.09
